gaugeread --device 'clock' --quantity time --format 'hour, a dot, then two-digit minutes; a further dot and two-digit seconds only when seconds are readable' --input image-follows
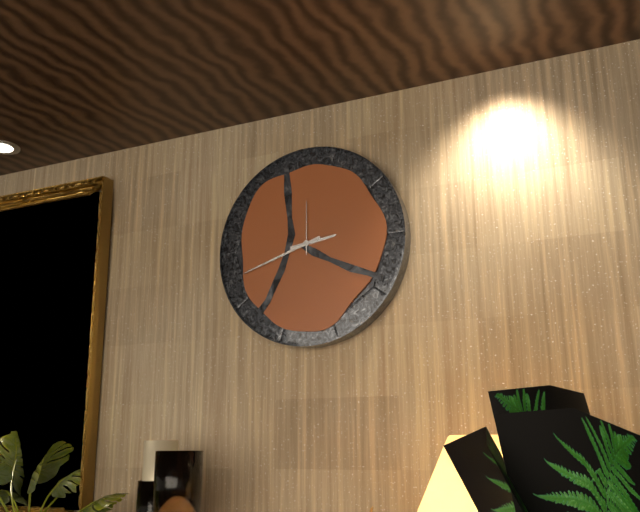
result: 2.42.00
